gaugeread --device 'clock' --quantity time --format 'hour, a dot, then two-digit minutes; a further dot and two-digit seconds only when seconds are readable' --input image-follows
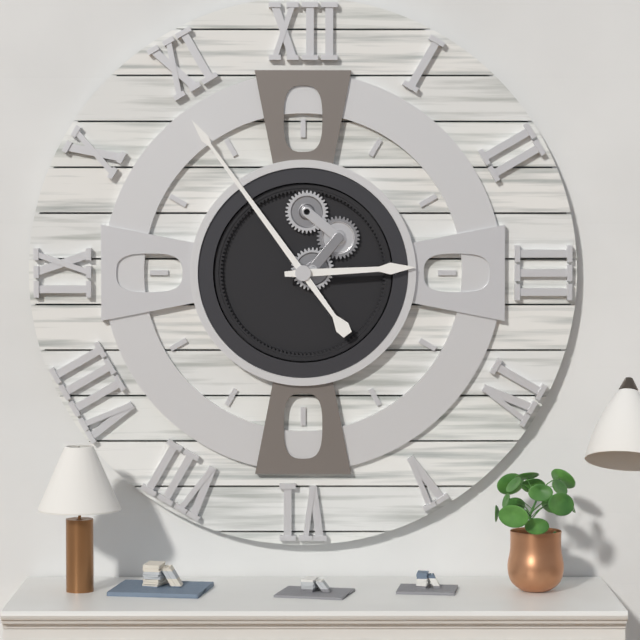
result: 2.54
